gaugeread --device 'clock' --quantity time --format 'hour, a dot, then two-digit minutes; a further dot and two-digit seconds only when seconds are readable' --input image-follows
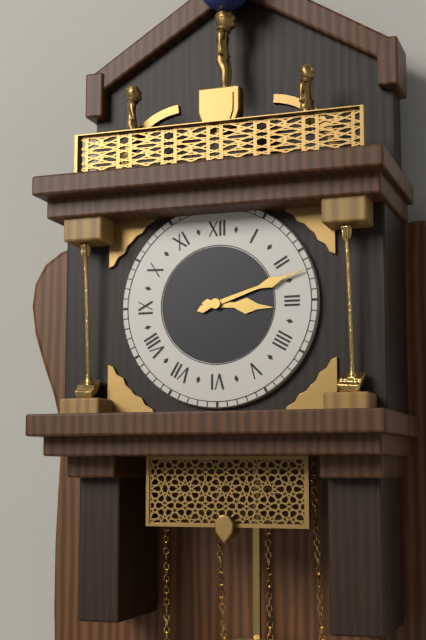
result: 3.12
